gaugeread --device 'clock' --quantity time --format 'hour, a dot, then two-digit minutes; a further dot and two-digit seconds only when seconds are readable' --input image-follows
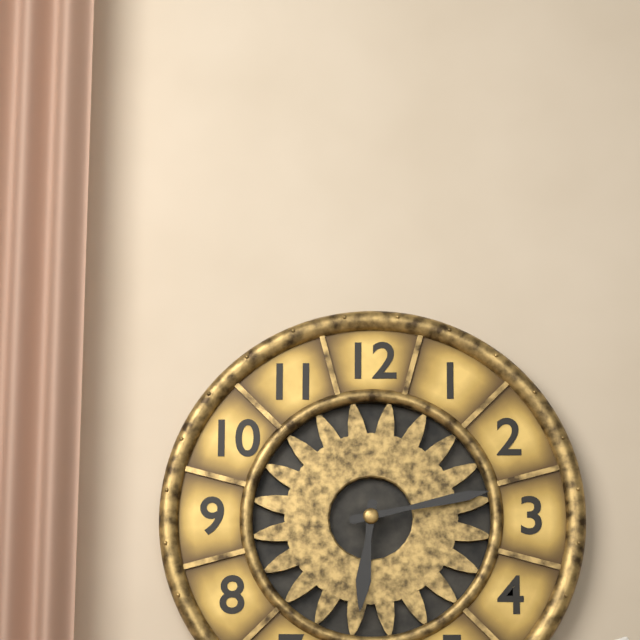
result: 6.13
